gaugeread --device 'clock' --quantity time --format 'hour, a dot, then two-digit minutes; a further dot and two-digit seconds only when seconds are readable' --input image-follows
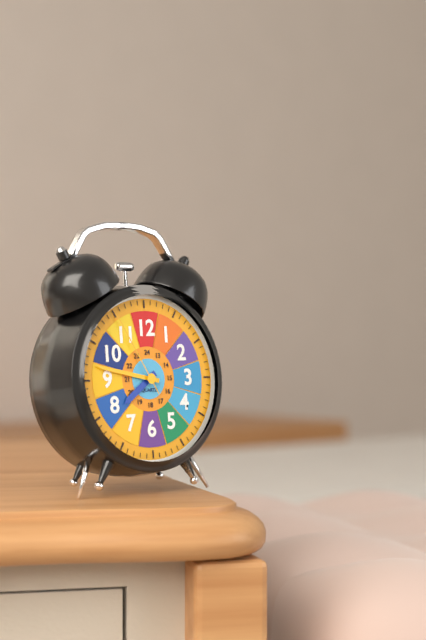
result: 7.47.55
